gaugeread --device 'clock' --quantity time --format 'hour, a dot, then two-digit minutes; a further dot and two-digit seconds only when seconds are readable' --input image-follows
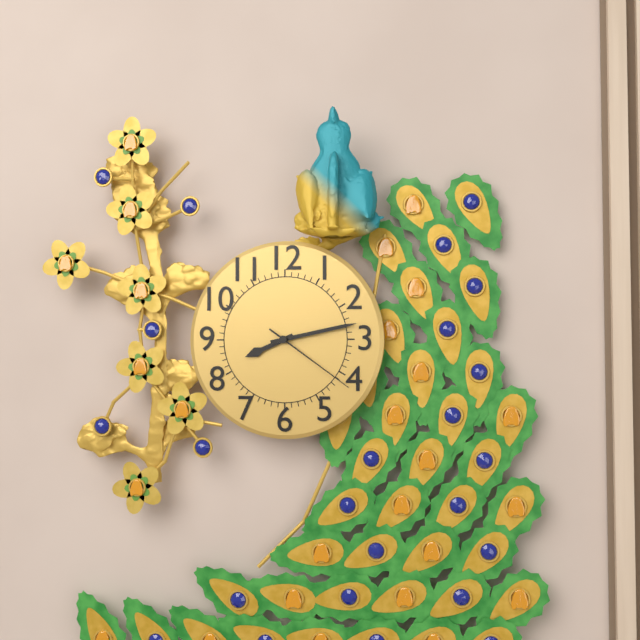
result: 8.13.21
